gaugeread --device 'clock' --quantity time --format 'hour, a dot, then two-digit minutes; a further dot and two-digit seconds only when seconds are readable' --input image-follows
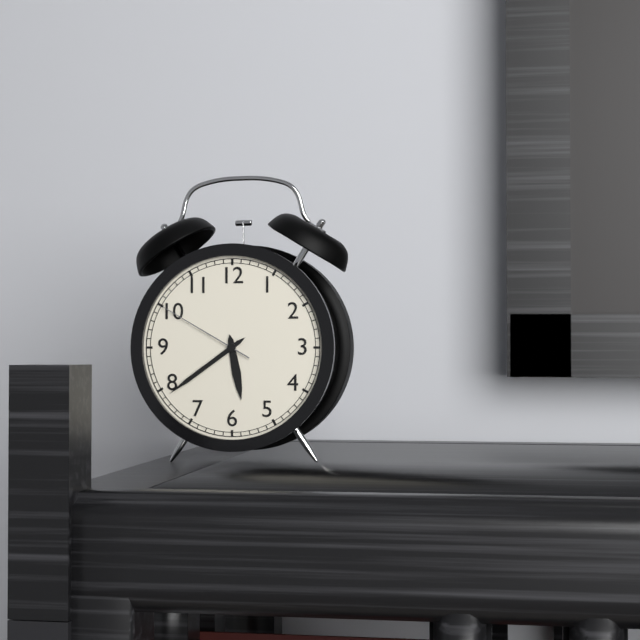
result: 5.39.50
